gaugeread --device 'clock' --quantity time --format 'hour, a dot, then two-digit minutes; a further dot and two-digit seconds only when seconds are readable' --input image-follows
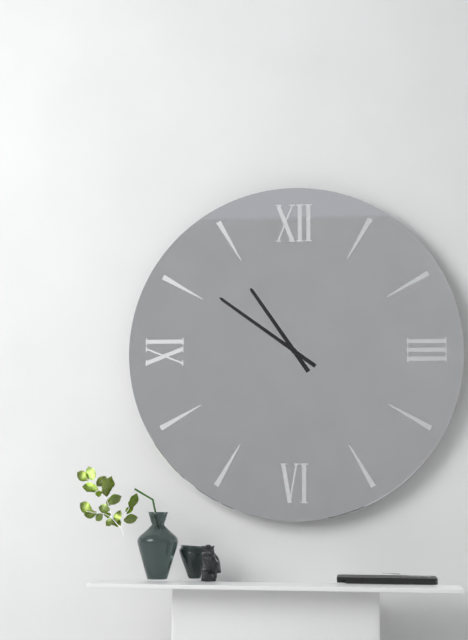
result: 10.51
